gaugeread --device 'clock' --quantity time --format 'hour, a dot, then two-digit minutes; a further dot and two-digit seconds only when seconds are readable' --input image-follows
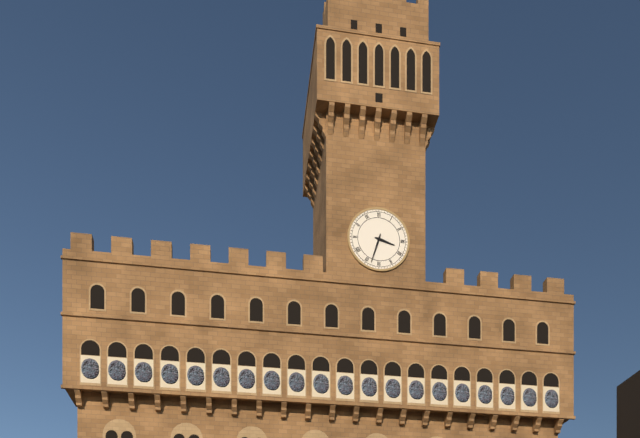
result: 3.33
